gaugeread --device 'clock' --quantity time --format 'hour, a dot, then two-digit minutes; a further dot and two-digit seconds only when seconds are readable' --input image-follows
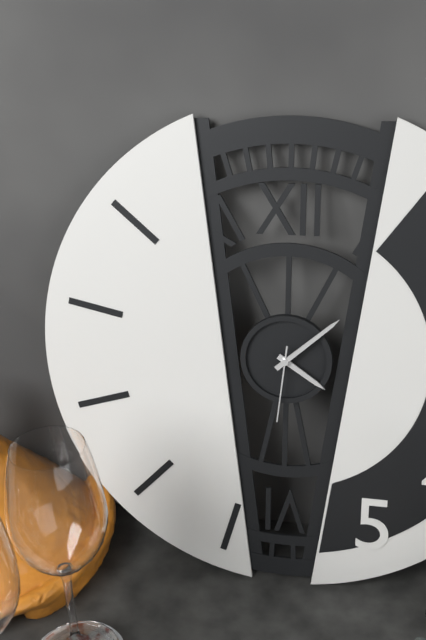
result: 4.08.31
